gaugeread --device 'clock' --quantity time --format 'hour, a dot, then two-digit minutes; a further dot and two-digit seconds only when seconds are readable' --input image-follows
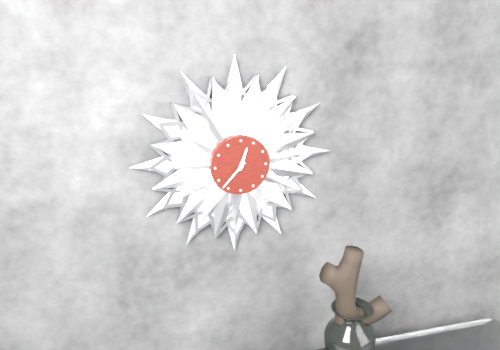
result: 12.37
